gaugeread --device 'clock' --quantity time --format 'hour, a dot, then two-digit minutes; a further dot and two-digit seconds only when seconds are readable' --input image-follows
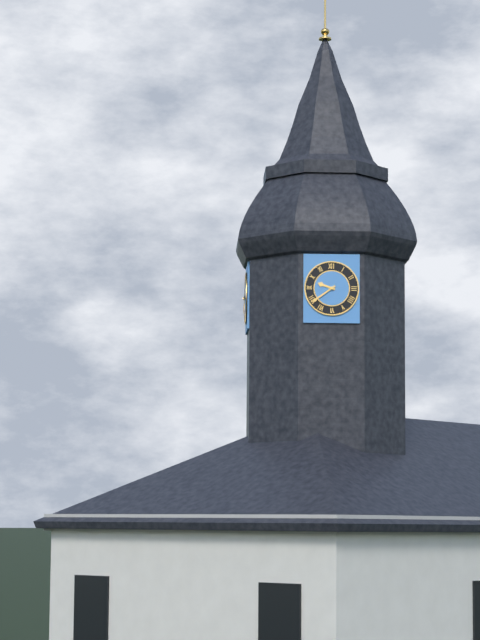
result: 9.39
